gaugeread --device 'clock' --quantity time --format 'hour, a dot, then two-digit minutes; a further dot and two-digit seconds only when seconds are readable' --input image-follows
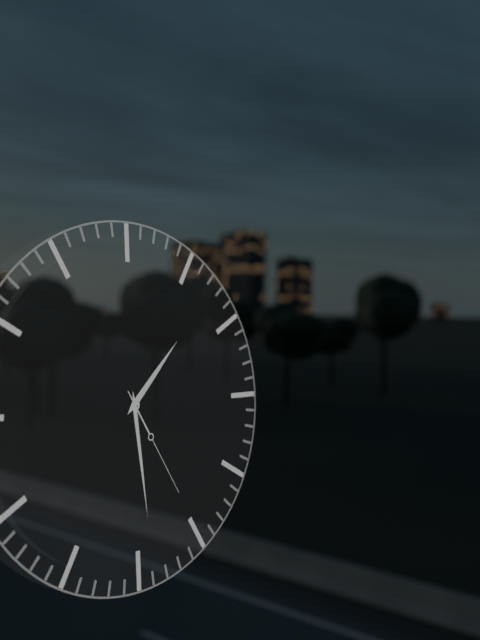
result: 1.29.25
